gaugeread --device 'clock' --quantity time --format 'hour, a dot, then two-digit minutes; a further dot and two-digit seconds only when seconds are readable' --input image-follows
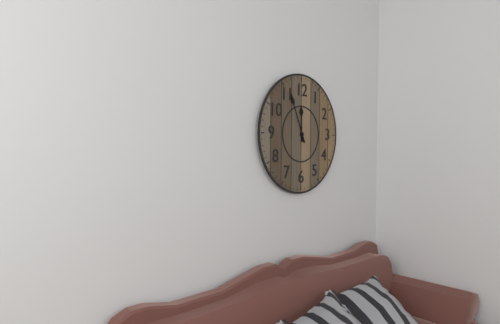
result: 11.56
